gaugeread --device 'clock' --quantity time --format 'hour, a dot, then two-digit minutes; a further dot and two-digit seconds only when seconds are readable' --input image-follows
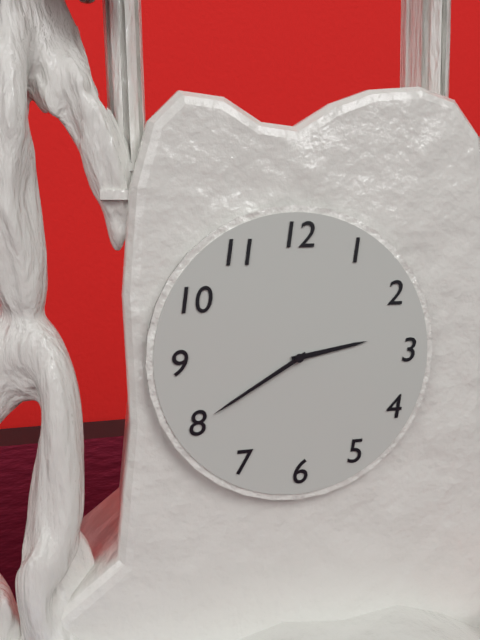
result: 2.40
